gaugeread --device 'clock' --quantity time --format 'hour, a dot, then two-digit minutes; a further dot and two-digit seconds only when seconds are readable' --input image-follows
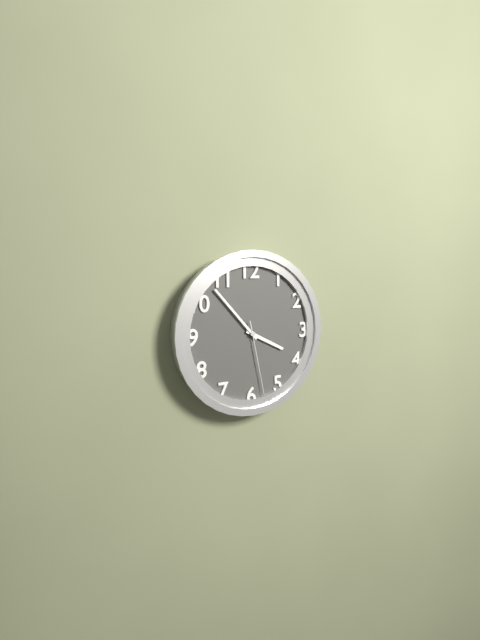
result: 3.53.28
